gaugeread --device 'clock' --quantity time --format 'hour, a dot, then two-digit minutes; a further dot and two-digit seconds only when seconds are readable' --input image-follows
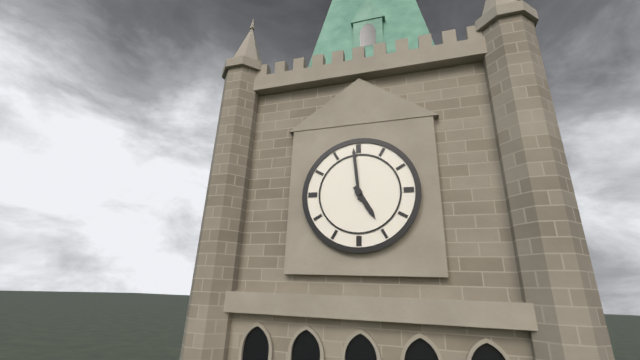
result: 4.59
